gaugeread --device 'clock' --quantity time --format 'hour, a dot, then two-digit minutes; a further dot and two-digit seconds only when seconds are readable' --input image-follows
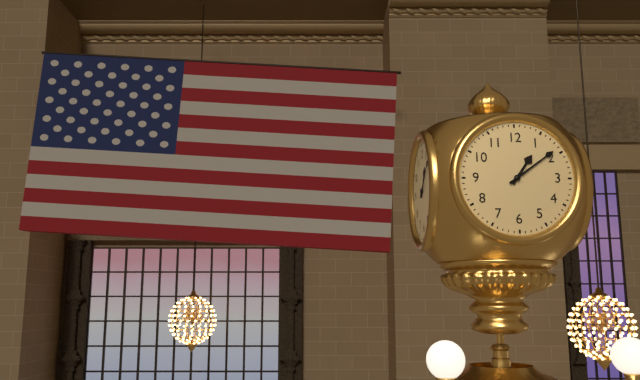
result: 1.09
